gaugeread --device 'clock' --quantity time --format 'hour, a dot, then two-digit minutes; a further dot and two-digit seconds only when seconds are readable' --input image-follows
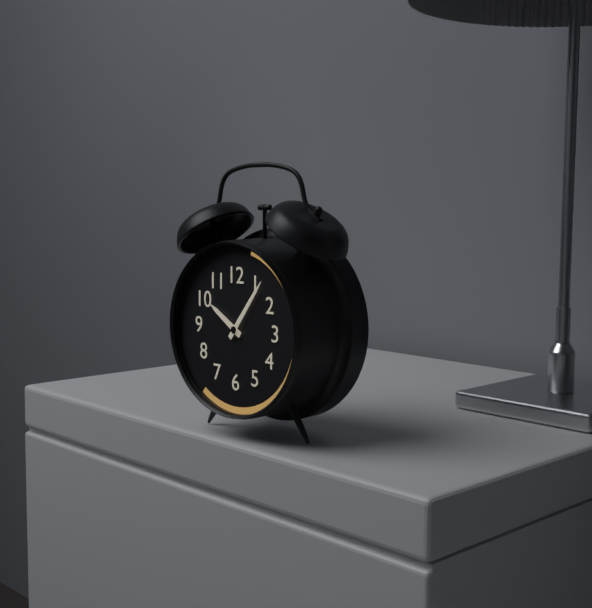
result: 10.06
